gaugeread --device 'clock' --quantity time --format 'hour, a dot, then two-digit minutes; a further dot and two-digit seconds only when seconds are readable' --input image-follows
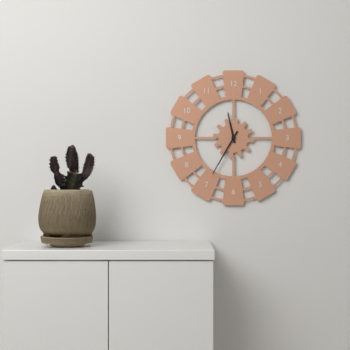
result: 11.35
